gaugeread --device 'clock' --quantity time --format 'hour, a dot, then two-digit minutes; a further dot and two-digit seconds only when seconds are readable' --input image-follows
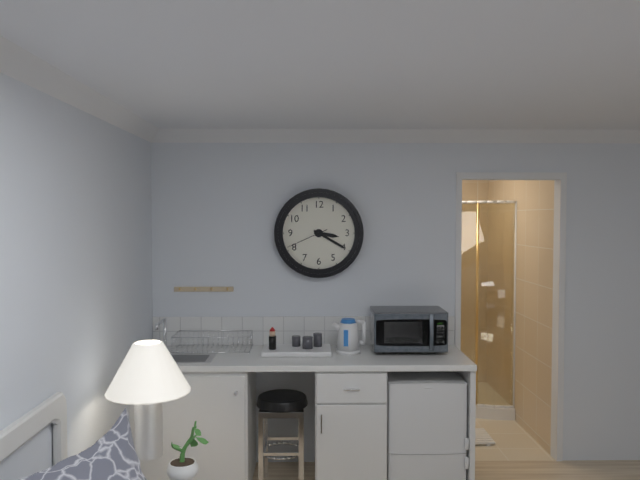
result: 3.20
